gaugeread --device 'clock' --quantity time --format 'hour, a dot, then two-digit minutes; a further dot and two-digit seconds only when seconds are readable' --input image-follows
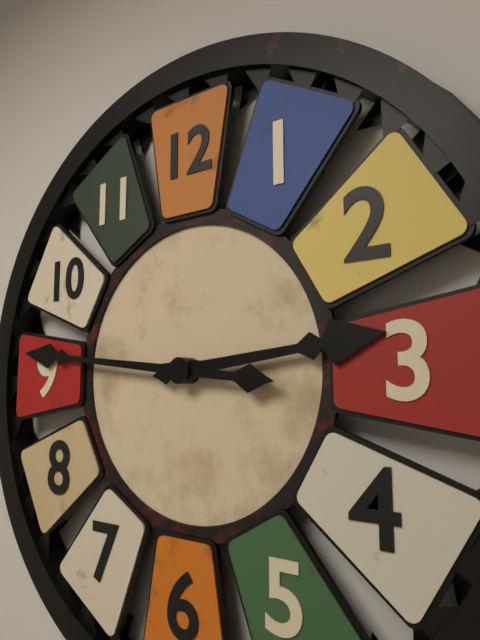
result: 2.46
